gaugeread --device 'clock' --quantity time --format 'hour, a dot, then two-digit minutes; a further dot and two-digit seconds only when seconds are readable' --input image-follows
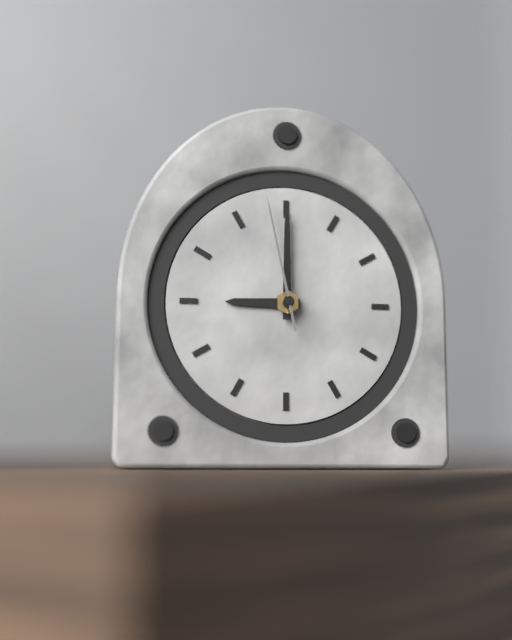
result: 9.00.58
